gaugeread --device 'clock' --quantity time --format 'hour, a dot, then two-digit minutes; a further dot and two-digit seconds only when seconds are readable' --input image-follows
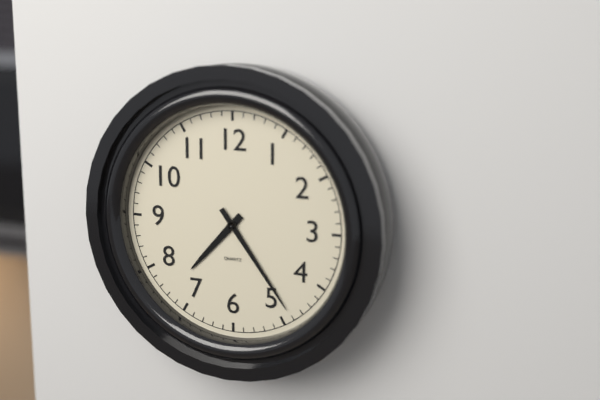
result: 7.24
